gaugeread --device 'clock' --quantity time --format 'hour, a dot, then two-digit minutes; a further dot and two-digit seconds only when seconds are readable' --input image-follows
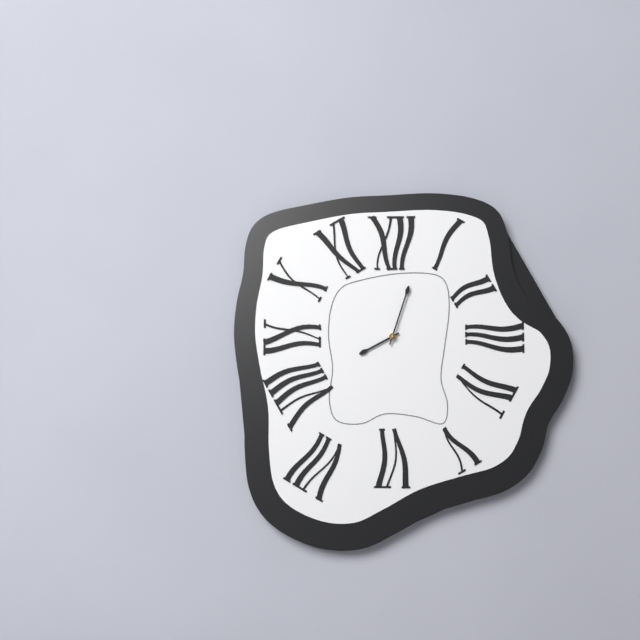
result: 8.03
